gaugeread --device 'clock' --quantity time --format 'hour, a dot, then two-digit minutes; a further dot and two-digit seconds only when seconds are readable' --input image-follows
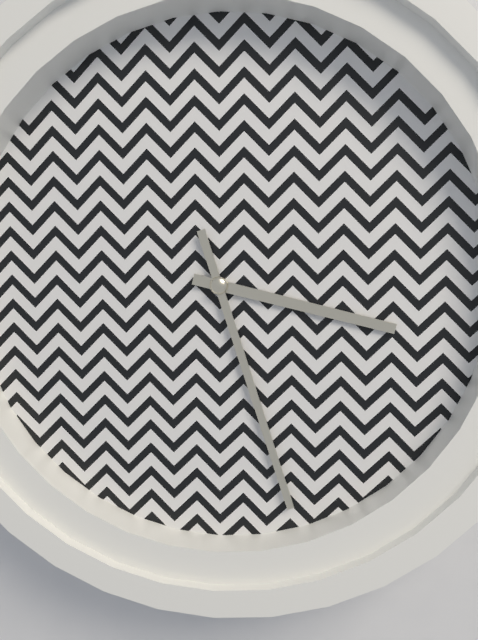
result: 3.27
